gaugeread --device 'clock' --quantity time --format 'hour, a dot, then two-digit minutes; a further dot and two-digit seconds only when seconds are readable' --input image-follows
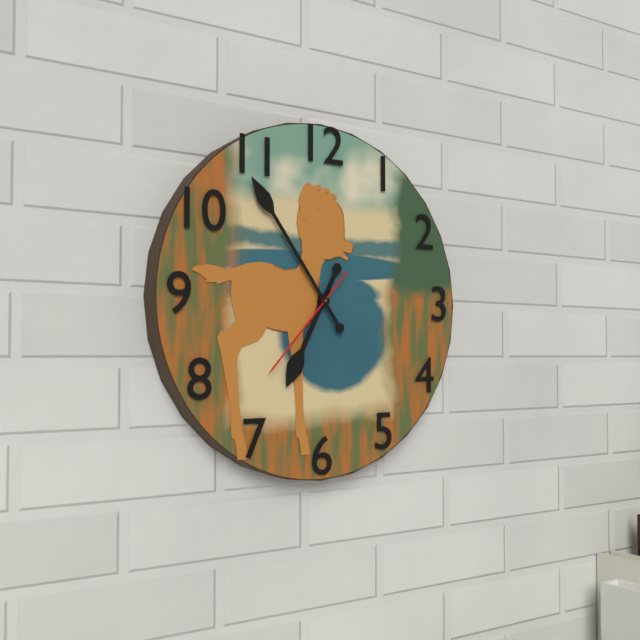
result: 6.54.37
